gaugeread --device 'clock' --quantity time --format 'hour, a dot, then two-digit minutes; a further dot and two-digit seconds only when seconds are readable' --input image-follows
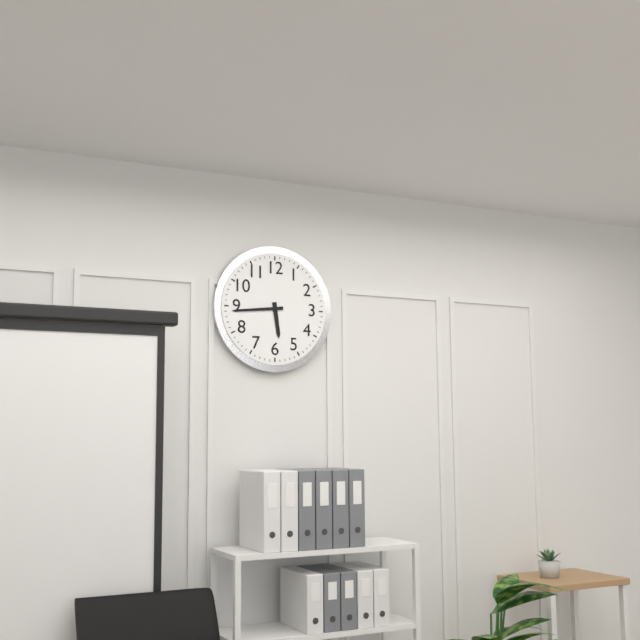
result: 5.44
